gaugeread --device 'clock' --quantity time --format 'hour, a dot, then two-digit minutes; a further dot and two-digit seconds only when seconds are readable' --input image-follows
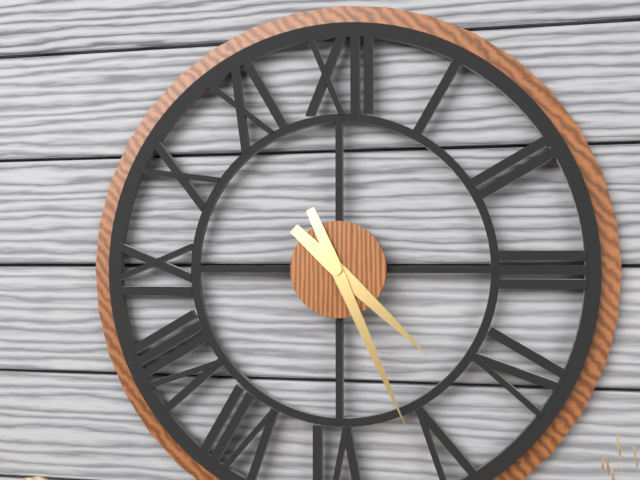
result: 4.26
